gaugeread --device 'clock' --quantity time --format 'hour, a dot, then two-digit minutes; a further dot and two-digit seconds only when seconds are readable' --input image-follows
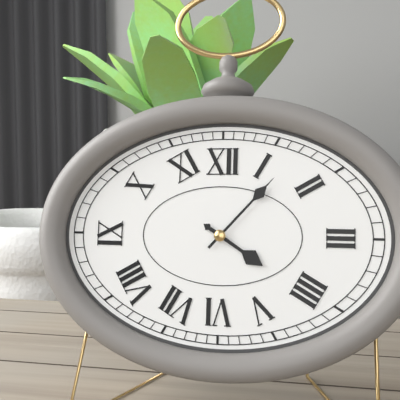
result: 4.07
